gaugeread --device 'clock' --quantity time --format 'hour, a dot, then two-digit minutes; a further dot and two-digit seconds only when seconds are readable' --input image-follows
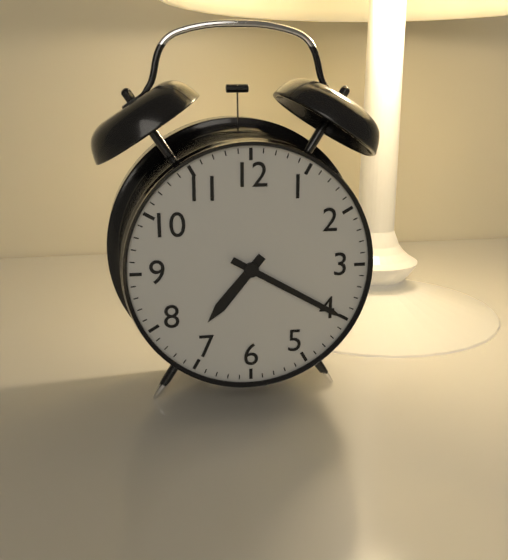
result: 7.20
